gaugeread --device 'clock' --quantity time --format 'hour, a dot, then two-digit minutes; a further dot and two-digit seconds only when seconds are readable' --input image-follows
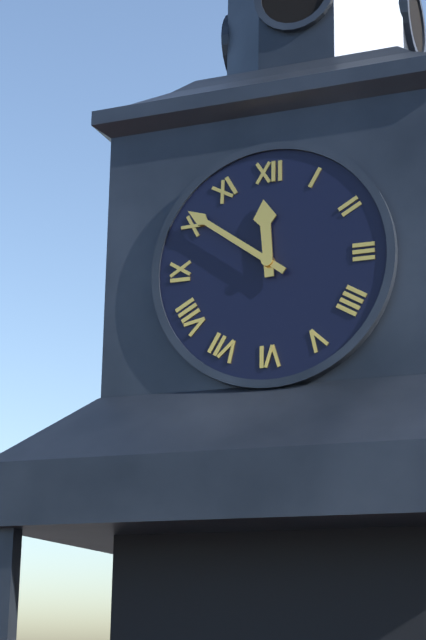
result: 11.51
